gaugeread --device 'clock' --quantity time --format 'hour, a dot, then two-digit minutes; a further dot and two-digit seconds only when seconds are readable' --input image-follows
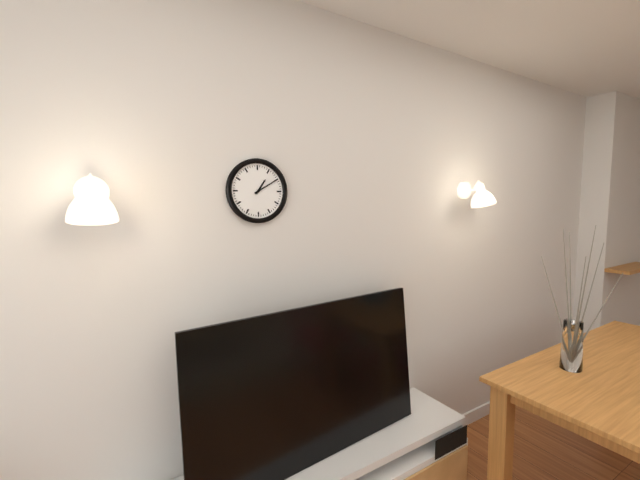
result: 1.10
